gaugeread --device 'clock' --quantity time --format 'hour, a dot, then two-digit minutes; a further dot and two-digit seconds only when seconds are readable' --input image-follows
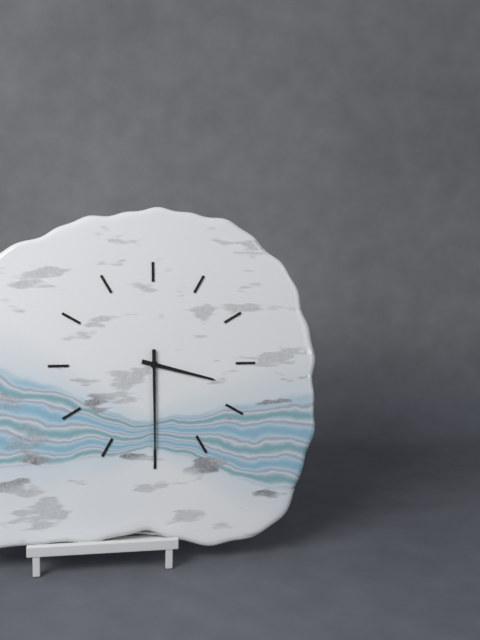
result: 3.30
